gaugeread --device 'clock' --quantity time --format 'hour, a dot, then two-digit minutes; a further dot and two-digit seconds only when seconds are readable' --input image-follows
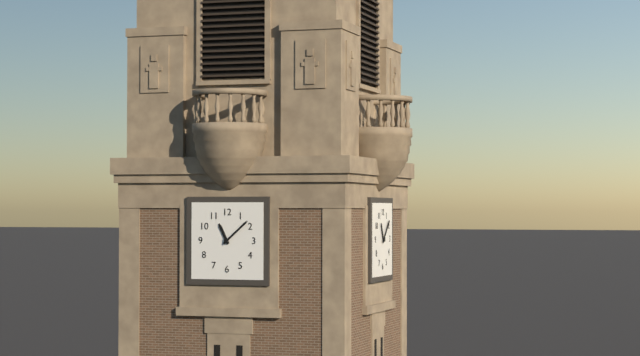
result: 11.08
